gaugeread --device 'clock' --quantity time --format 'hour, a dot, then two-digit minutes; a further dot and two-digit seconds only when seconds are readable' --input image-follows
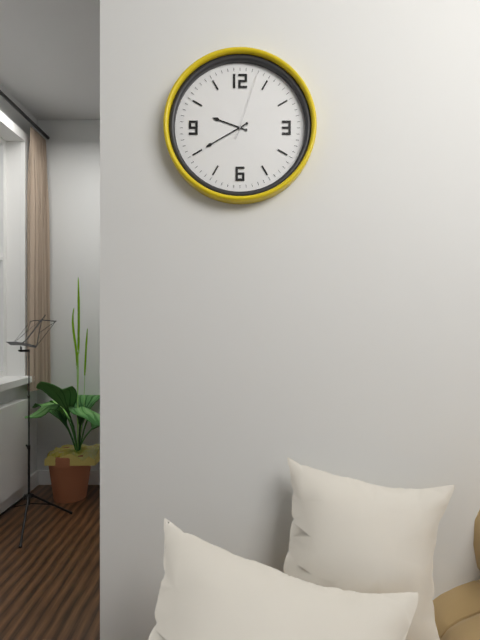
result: 9.40.03
